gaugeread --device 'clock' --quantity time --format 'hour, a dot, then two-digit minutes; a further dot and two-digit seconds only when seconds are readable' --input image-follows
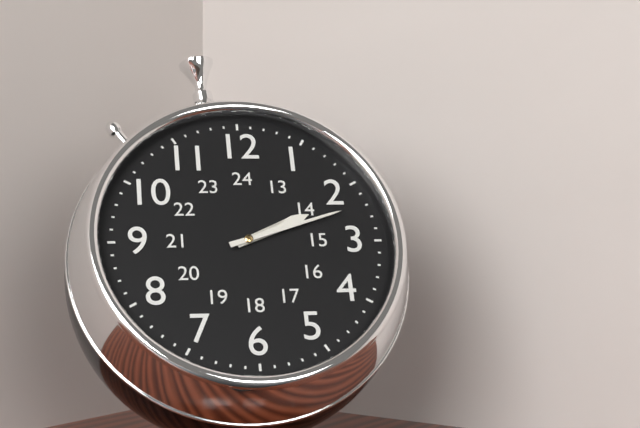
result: 2.12
